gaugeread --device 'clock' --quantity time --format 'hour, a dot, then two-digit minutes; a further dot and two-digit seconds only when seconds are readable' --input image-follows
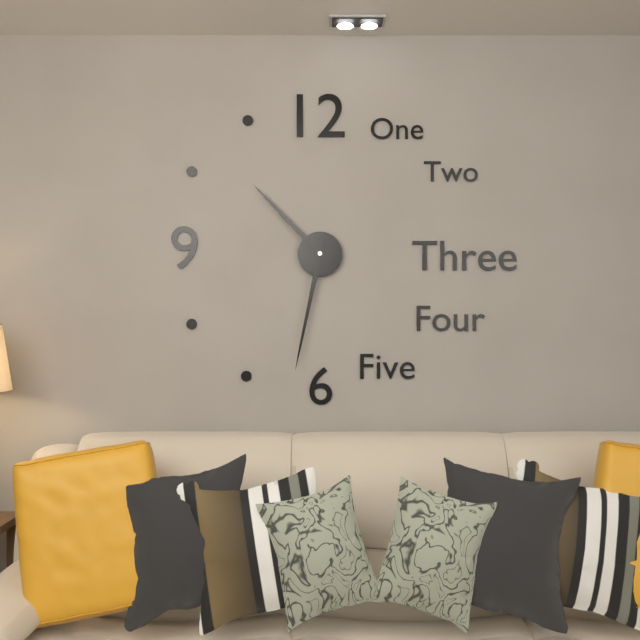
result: 10.32
